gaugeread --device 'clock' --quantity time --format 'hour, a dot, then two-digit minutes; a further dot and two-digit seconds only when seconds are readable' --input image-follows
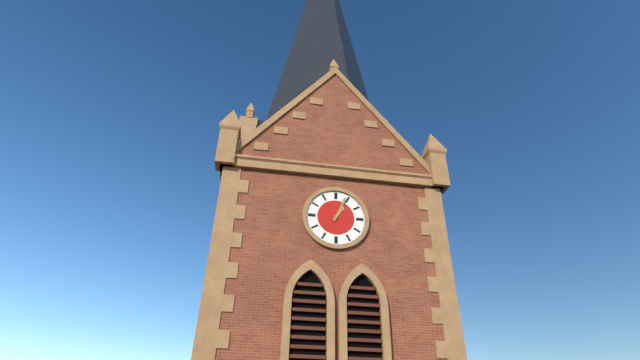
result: 1.04
